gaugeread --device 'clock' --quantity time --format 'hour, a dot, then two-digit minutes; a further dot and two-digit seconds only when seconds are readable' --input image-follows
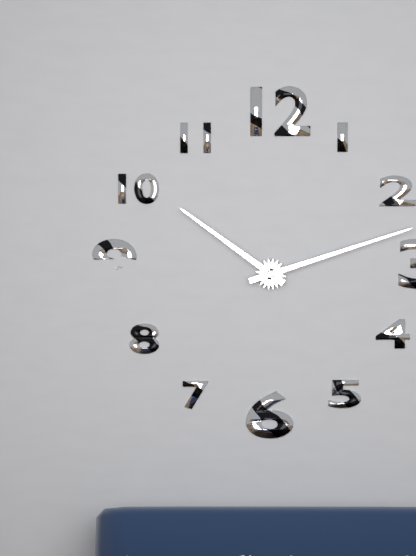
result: 10.12
